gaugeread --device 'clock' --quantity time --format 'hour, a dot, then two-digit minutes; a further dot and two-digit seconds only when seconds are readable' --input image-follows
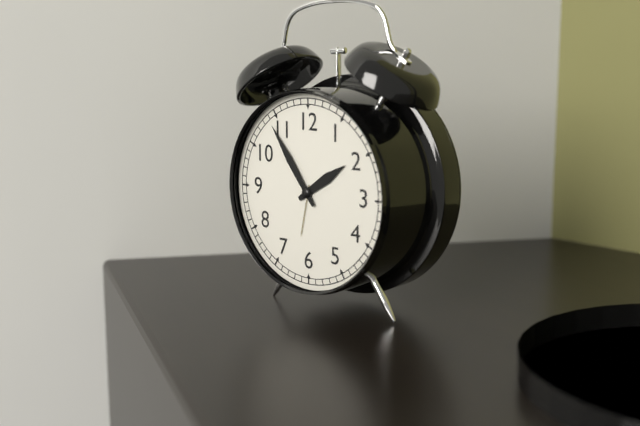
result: 1.54
